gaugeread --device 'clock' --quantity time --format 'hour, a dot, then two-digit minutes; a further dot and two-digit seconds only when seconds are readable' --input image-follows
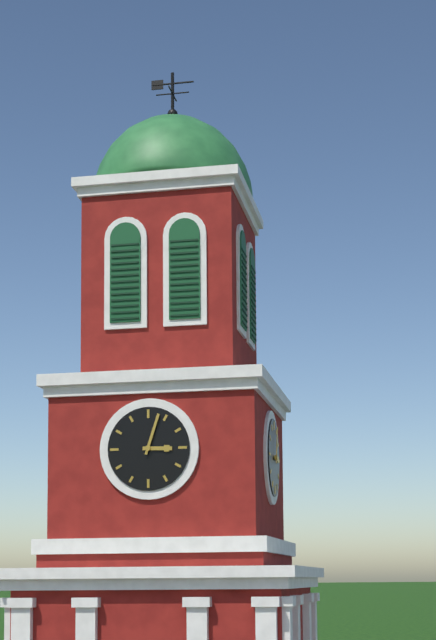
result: 3.03
